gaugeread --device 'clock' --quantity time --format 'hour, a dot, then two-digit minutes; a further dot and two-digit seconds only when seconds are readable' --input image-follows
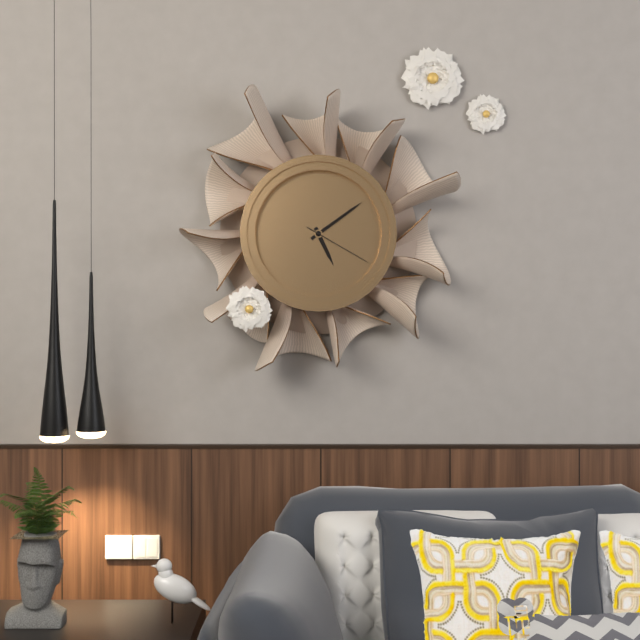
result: 5.09.20
